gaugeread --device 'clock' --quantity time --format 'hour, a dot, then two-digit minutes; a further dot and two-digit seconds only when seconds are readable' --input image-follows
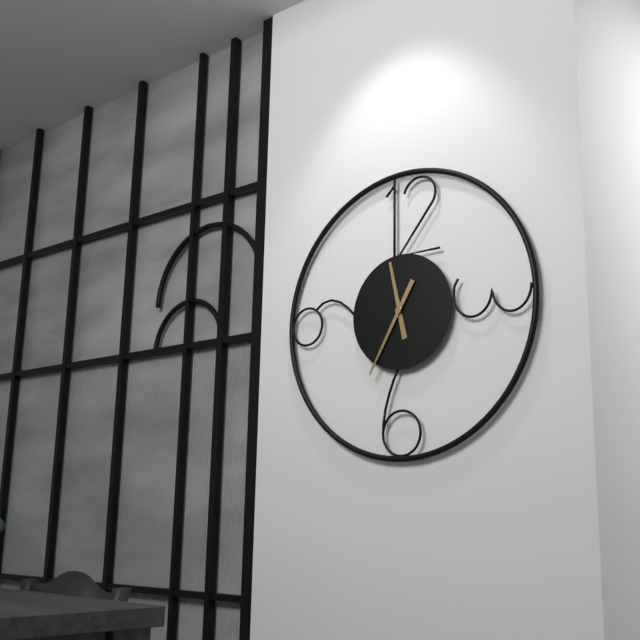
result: 11.35
